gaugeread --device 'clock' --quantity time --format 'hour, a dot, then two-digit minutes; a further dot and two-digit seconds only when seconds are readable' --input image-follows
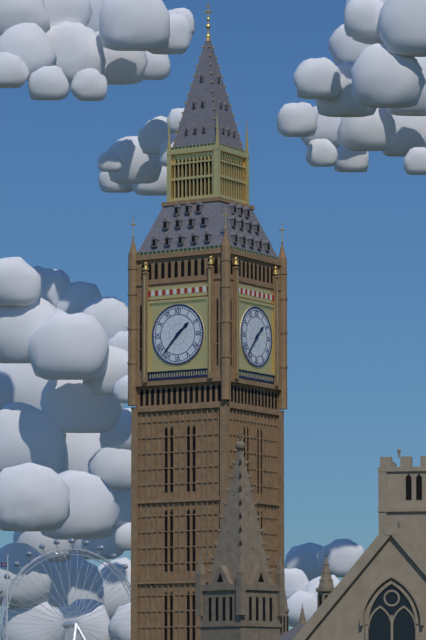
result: 1.37
